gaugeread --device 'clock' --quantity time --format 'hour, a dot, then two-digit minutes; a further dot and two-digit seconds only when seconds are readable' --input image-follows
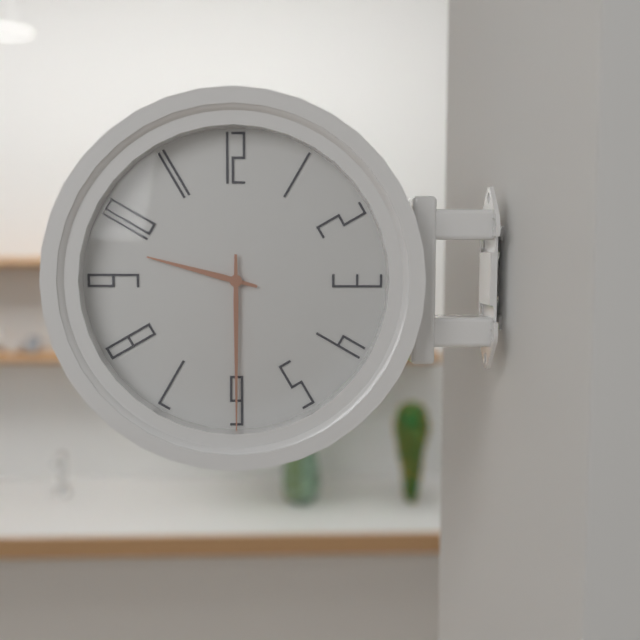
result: 9.30
